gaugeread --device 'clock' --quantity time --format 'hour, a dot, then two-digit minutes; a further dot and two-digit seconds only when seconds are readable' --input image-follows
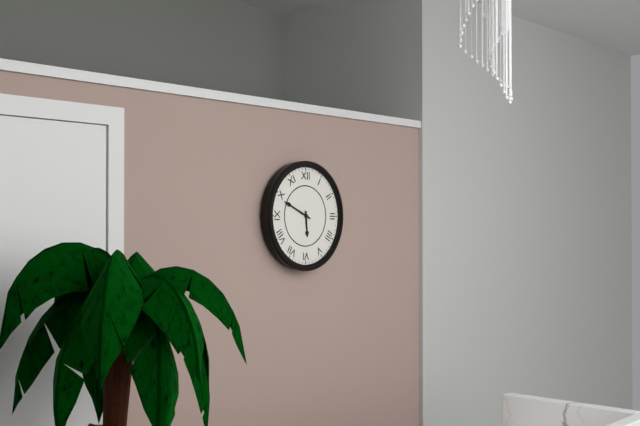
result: 5.49
